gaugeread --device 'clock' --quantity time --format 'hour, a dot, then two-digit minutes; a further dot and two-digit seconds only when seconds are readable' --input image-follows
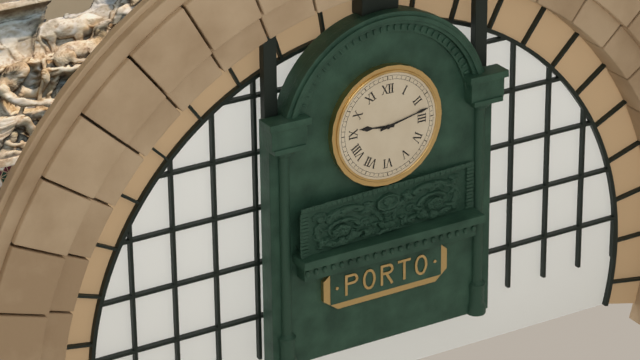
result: 9.13
